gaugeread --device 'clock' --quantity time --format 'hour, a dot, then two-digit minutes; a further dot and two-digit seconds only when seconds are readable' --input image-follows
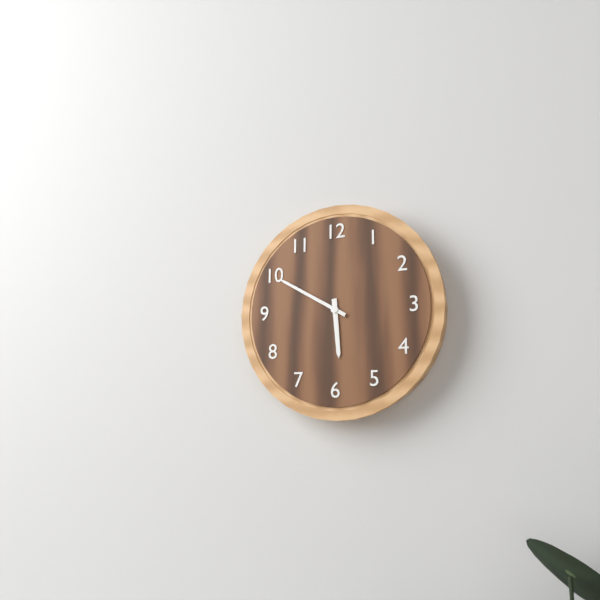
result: 5.50
